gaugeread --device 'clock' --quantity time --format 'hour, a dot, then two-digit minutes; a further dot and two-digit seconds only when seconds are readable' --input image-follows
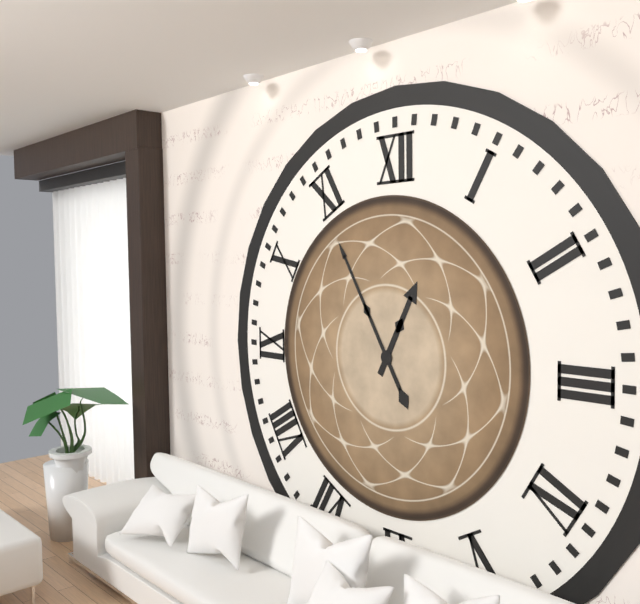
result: 12.55
